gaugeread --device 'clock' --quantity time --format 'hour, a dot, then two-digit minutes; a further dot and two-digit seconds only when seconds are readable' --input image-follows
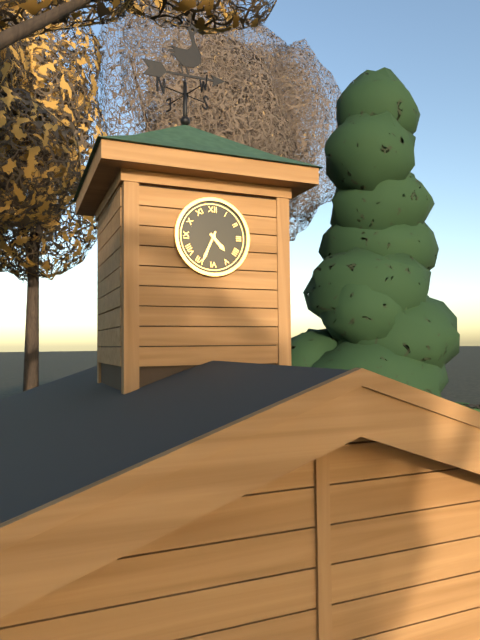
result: 4.34
